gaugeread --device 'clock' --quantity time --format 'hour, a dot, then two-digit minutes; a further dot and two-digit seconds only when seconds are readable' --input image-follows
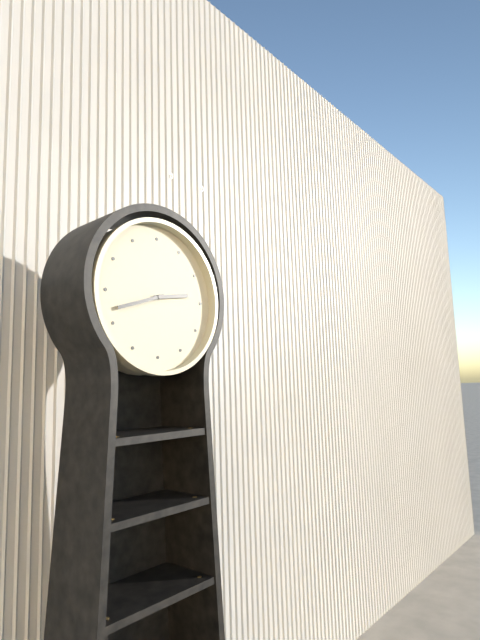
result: 2.42
